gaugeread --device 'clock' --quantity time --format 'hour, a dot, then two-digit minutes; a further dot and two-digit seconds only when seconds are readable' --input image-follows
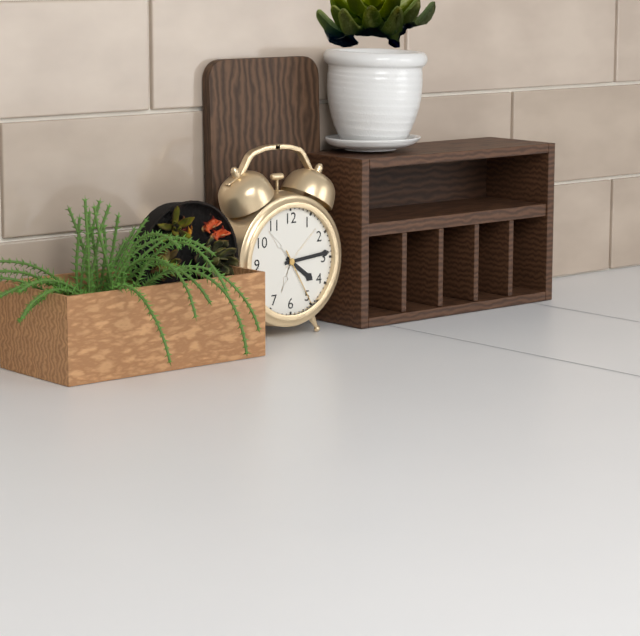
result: 4.14.25
